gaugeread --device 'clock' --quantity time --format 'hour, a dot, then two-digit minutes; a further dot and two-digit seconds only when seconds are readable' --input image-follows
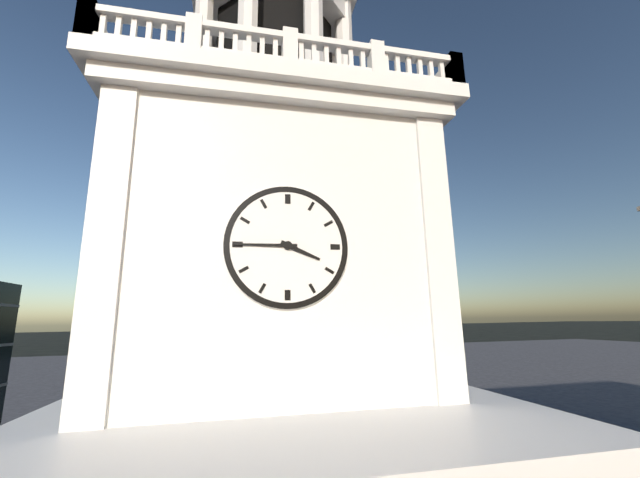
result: 3.45
